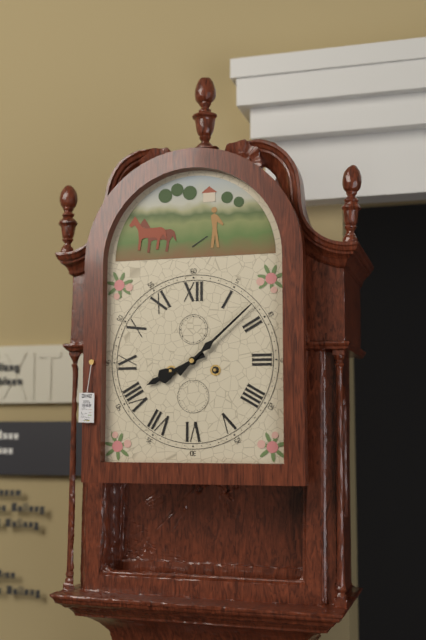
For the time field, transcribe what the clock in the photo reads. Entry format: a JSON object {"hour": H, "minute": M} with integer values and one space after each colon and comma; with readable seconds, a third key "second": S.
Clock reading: {"hour": 8, "minute": 8}
